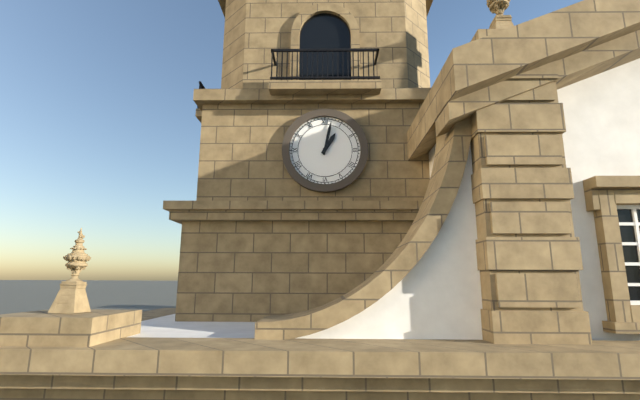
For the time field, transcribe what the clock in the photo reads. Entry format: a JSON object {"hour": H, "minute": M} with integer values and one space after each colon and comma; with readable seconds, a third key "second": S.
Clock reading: {"hour": 1, "minute": 2}
